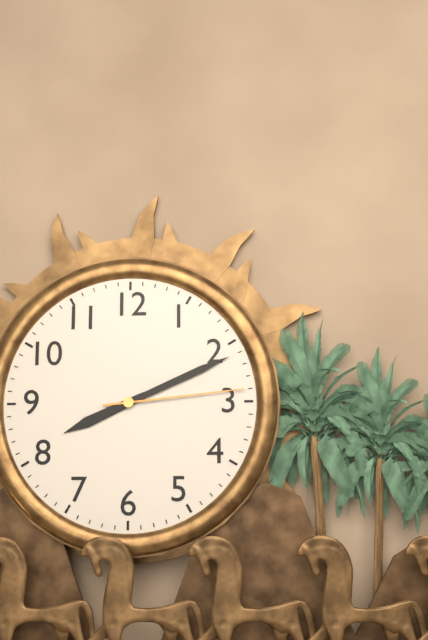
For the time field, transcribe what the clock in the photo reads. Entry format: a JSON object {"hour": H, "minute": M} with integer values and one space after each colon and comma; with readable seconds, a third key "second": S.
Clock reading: {"hour": 8, "minute": 11, "second": 14}
